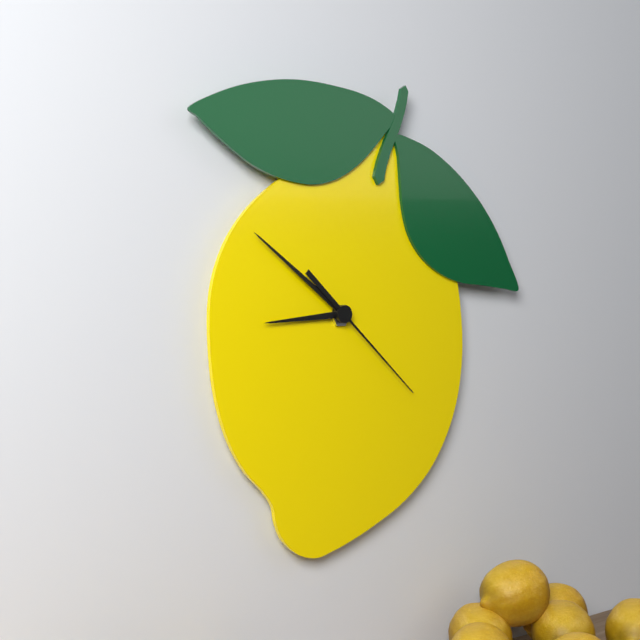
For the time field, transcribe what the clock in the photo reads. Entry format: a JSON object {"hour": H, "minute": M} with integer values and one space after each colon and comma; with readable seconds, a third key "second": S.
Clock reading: {"hour": 8, "minute": 51, "second": 22}
